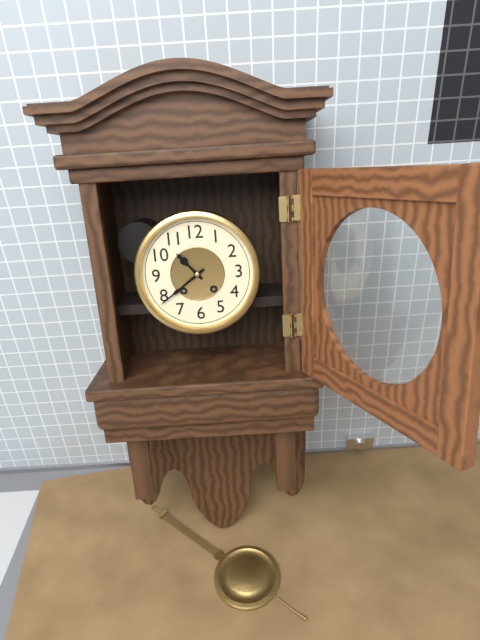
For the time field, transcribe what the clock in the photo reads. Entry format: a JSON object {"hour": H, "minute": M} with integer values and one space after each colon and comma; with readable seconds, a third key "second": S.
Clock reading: {"hour": 10, "minute": 39}
